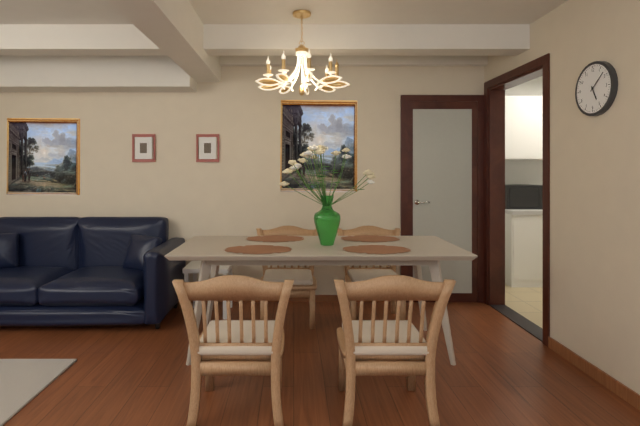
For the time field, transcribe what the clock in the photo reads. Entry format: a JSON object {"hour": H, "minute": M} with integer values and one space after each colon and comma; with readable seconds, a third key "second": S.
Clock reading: {"hour": 5, "minute": 8}
